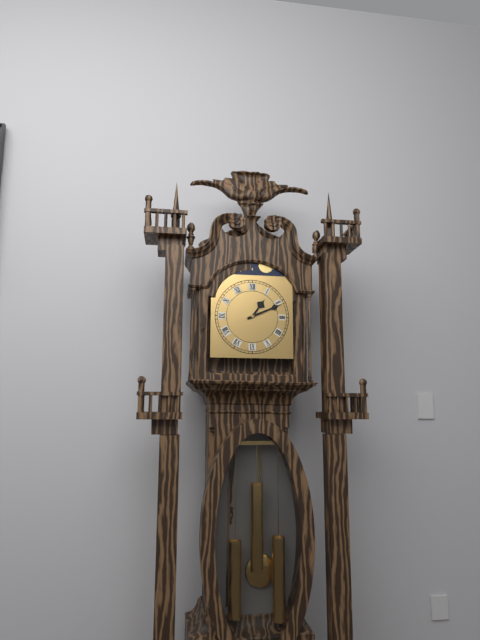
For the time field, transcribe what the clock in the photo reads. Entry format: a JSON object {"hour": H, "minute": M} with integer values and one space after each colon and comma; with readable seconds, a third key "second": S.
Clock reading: {"hour": 1, "minute": 11}
